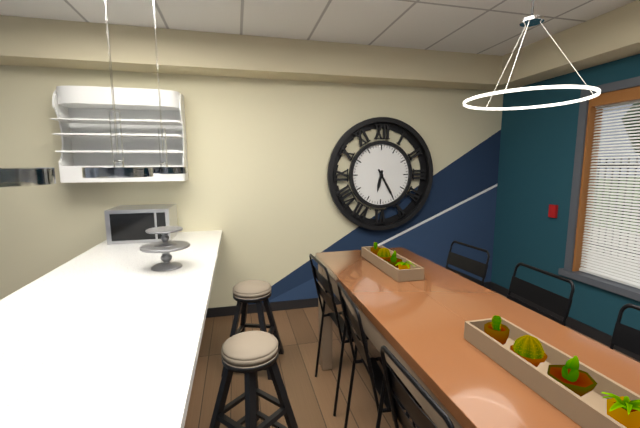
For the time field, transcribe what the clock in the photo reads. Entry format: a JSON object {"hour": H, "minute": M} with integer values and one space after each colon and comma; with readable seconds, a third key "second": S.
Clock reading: {"hour": 6, "minute": 25}
